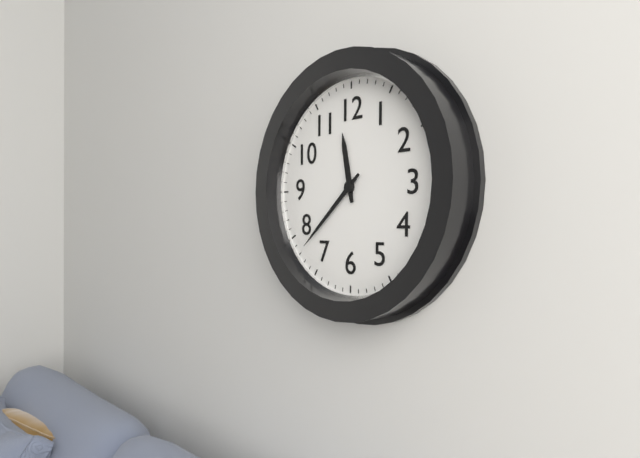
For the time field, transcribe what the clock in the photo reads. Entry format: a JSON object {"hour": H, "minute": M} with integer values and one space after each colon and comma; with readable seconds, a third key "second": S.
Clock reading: {"hour": 11, "minute": 38}
